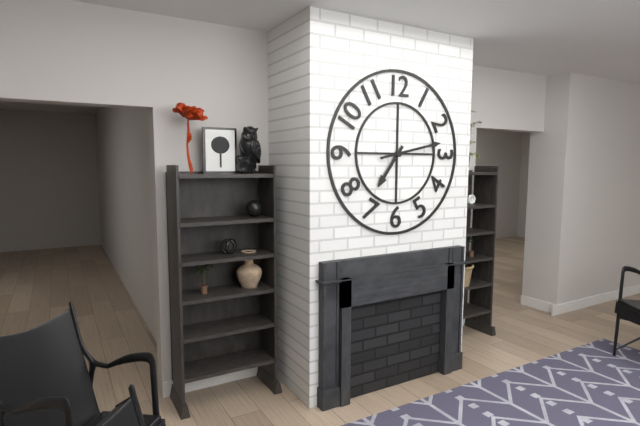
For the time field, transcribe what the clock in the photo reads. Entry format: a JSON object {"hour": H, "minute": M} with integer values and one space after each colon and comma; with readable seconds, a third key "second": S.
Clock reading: {"hour": 7, "minute": 13}
